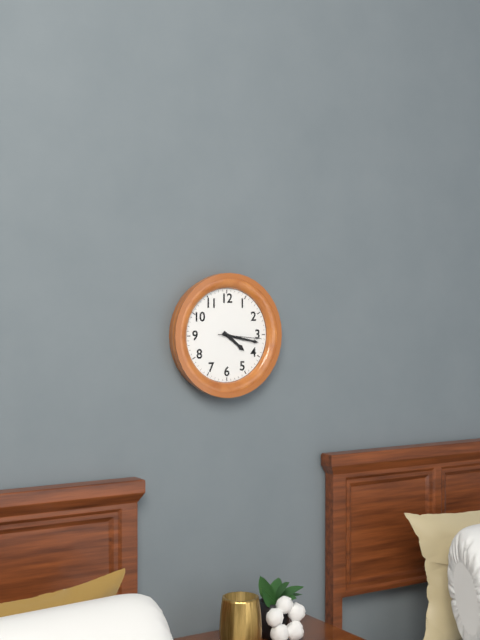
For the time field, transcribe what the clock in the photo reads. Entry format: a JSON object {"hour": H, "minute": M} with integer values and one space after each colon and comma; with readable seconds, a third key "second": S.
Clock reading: {"hour": 4, "minute": 17}
